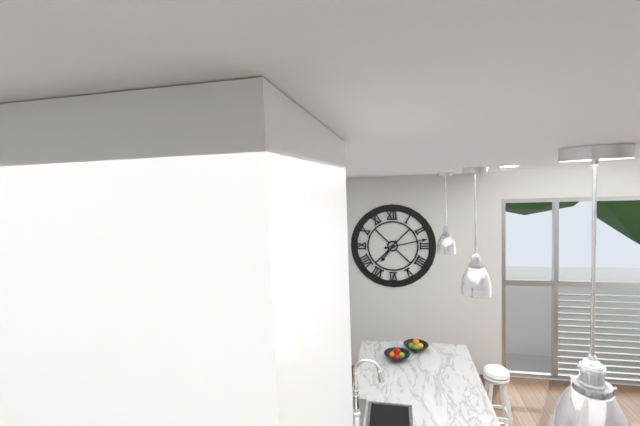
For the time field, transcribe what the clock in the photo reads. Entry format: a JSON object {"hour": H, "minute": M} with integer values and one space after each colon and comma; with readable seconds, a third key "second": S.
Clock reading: {"hour": 7, "minute": 13}
